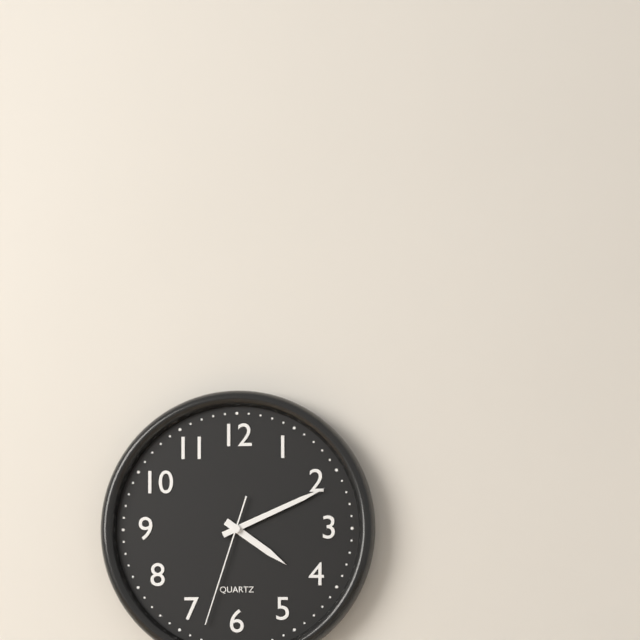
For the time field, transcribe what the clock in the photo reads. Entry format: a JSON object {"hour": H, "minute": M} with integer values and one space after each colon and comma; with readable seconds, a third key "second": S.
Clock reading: {"hour": 4, "minute": 11, "second": 33}
